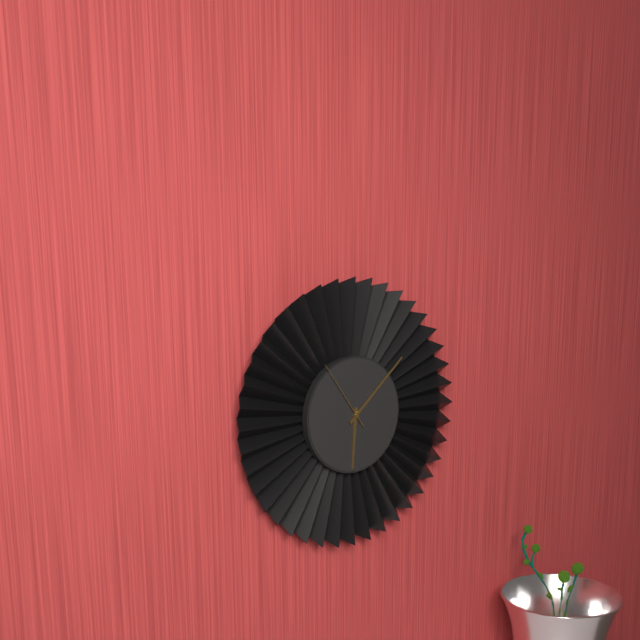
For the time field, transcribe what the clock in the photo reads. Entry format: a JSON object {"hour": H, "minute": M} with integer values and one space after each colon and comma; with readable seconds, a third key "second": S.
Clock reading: {"hour": 6, "minute": 8, "second": 54}
